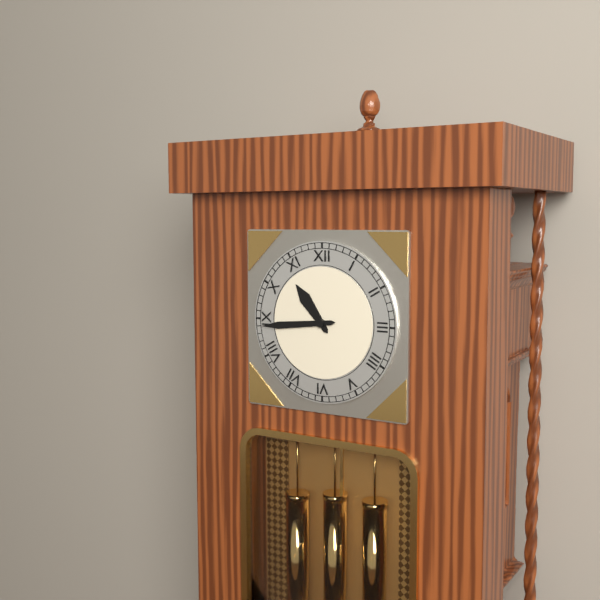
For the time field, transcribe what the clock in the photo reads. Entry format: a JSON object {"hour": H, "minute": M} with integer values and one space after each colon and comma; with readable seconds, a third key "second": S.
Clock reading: {"hour": 10, "minute": 44}
